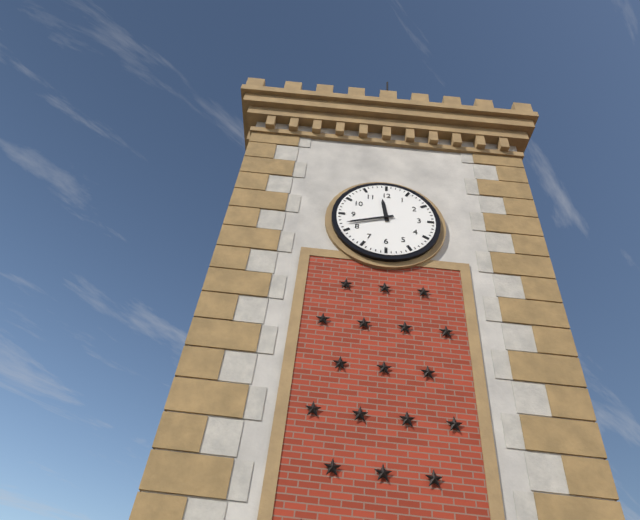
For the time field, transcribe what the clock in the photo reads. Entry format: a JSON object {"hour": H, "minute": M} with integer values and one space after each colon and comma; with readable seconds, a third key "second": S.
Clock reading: {"hour": 11, "minute": 42}
